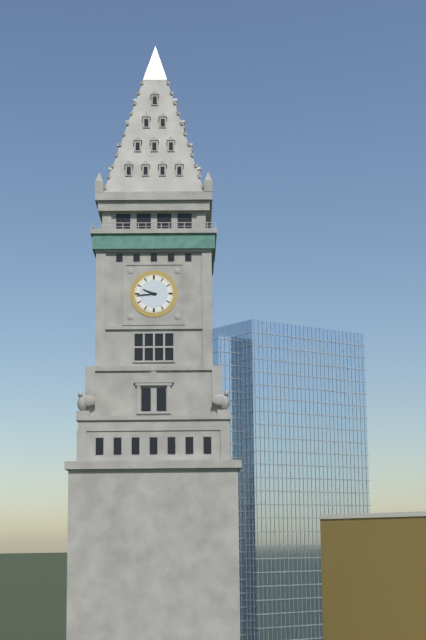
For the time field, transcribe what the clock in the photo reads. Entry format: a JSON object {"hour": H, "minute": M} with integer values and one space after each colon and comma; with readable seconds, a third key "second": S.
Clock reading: {"hour": 9, "minute": 44}
